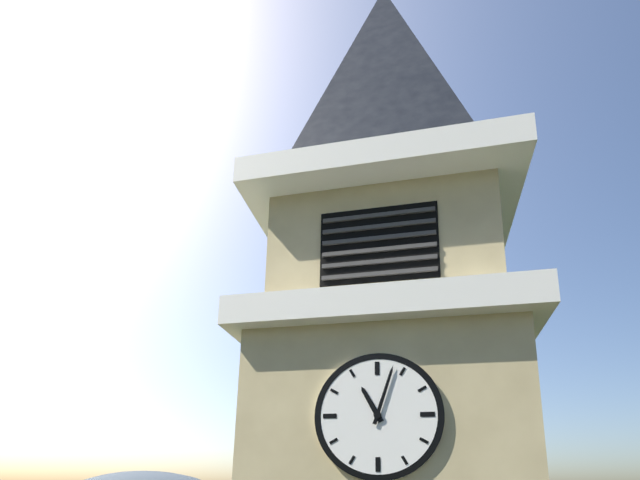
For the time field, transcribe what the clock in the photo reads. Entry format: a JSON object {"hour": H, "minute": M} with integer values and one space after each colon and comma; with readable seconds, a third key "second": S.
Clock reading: {"hour": 11, "minute": 3}
